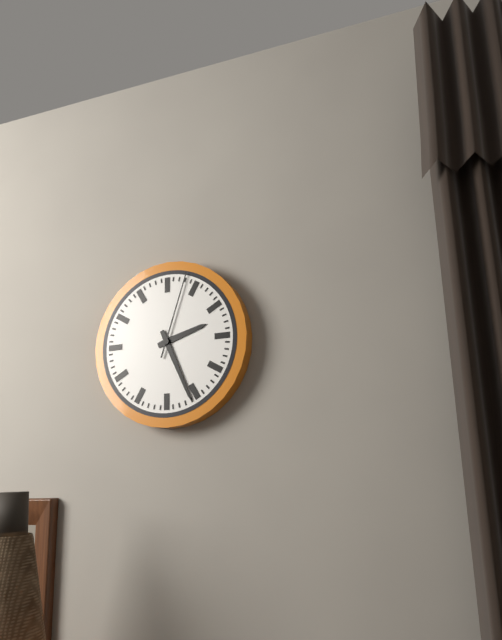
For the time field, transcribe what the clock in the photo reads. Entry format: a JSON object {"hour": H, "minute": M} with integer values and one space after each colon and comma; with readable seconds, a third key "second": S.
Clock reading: {"hour": 2, "minute": 26, "second": 3}
